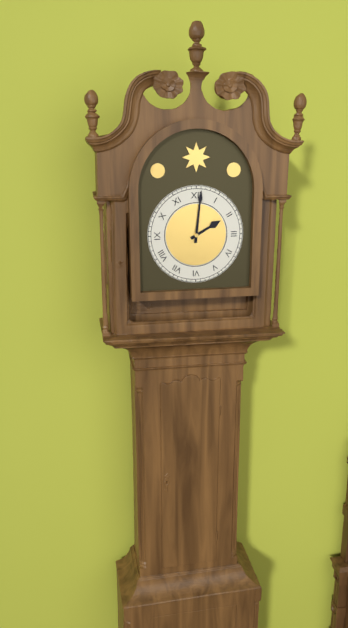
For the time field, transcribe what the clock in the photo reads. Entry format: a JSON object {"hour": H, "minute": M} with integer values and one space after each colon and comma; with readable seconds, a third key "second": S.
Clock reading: {"hour": 2, "minute": 1}
